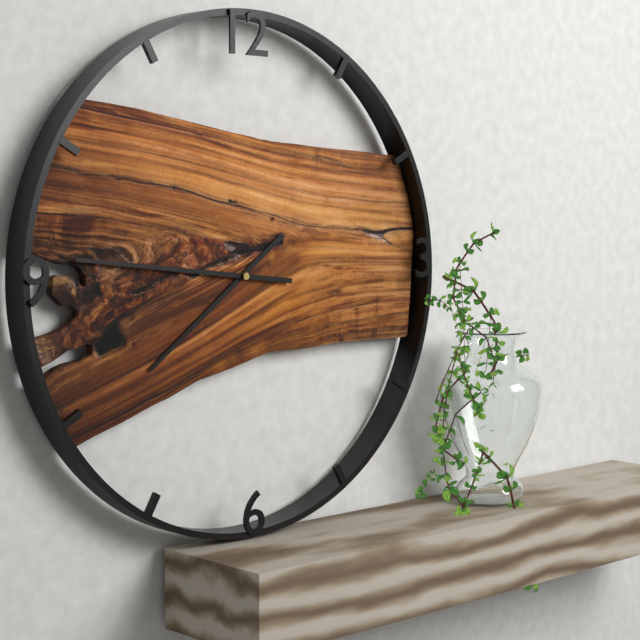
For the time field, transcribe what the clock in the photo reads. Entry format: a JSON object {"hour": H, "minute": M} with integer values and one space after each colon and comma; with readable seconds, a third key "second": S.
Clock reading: {"hour": 7, "minute": 46}
